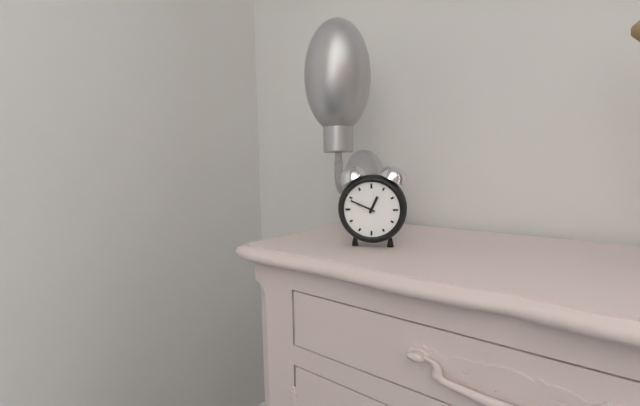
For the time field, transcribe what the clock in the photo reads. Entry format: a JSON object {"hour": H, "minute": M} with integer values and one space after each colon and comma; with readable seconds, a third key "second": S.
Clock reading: {"hour": 12, "minute": 49}
